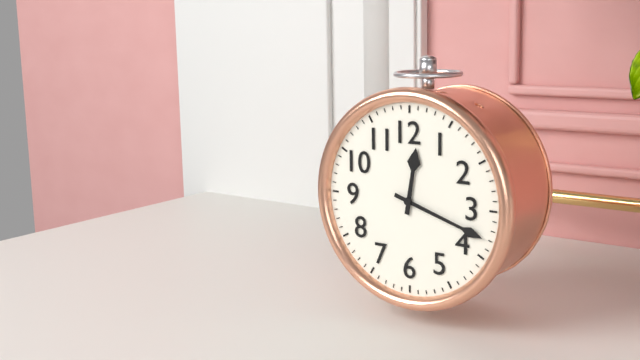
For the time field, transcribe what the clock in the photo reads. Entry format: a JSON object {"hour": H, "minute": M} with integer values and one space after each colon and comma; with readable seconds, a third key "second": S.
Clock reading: {"hour": 12, "minute": 18}
